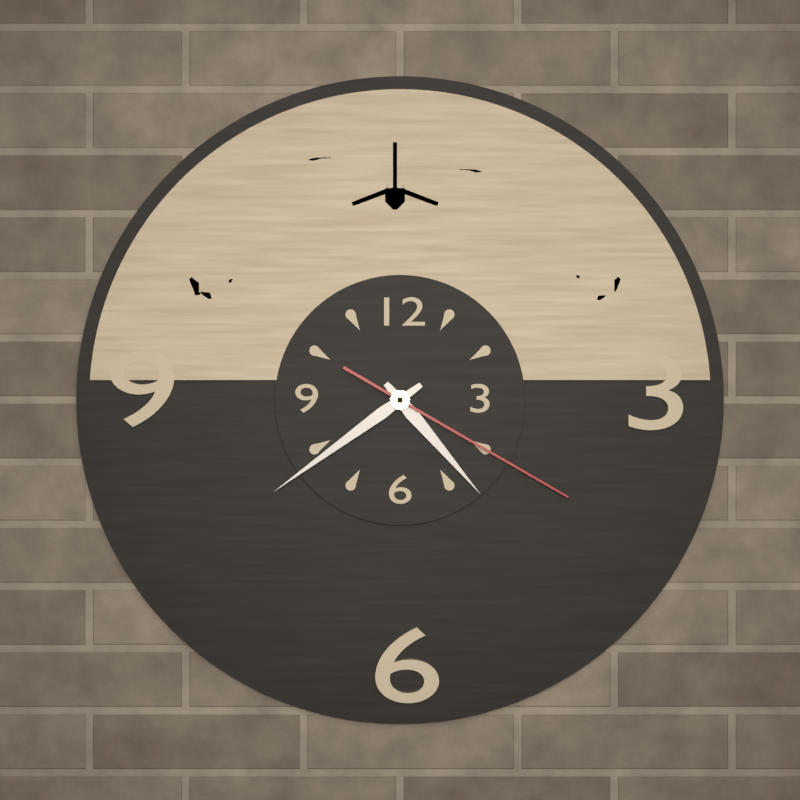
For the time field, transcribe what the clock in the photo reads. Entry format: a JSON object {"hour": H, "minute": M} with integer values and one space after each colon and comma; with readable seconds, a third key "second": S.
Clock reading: {"hour": 4, "minute": 39, "second": 20}
